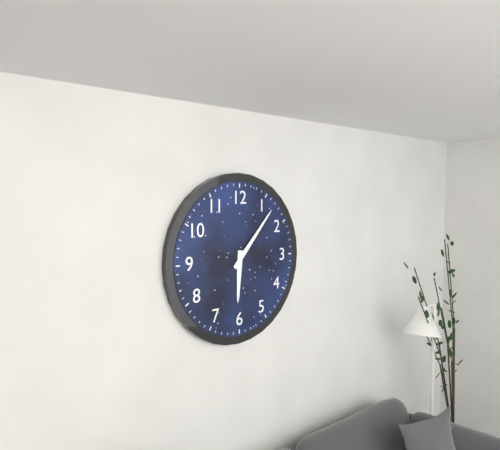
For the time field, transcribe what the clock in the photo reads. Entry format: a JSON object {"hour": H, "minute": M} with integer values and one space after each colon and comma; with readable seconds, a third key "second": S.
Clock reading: {"hour": 6, "minute": 7}
